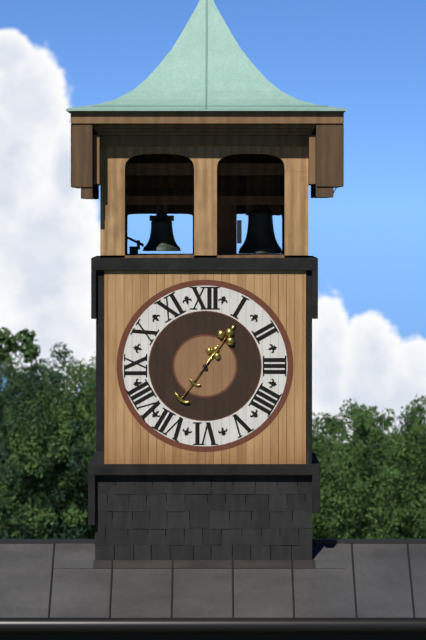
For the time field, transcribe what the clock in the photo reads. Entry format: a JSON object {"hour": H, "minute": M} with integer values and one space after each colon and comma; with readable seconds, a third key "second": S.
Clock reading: {"hour": 1, "minute": 6}
